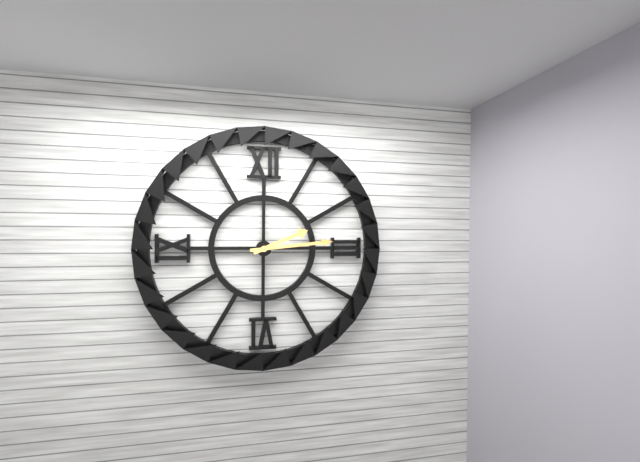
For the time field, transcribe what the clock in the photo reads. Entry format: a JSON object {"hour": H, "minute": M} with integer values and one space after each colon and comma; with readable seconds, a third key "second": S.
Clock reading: {"hour": 2, "minute": 14}
